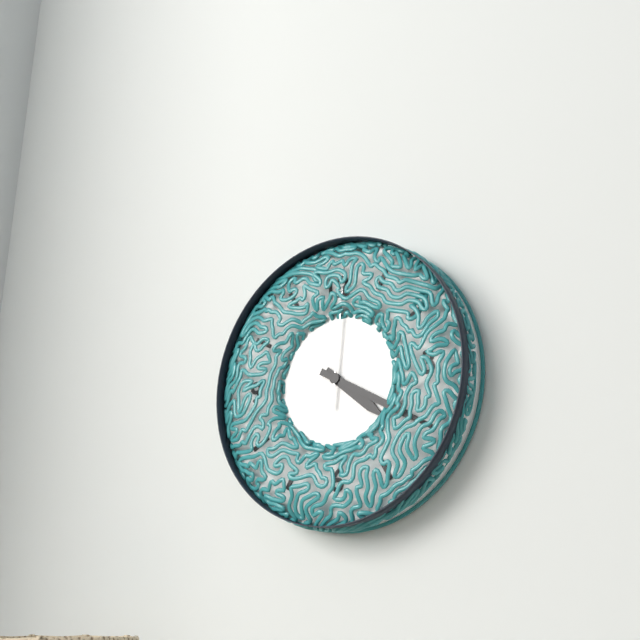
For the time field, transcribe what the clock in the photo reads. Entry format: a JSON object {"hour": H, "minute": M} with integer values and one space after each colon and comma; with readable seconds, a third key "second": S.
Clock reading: {"hour": 4, "minute": 20}
